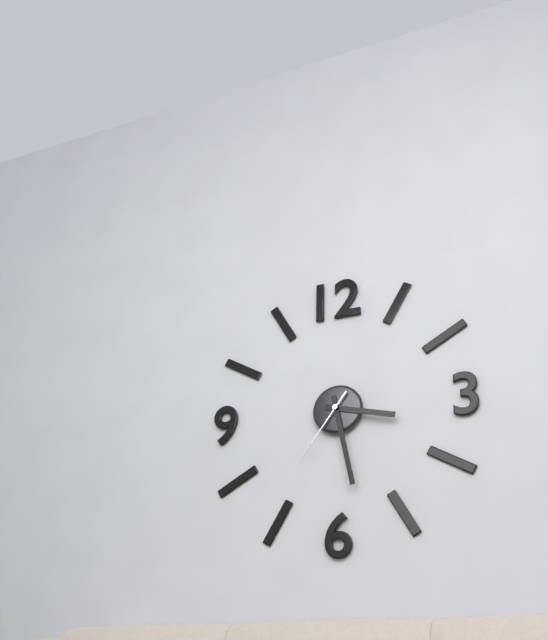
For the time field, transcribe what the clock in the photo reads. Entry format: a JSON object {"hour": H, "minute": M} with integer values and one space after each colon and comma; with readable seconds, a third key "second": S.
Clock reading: {"hour": 3, "minute": 28, "second": 36}
